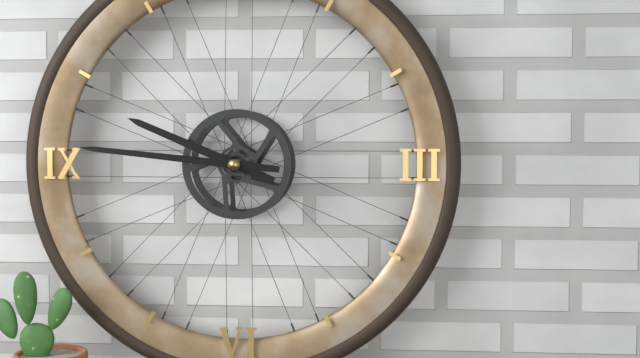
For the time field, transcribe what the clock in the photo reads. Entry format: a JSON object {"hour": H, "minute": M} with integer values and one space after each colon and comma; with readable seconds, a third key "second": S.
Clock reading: {"hour": 9, "minute": 46}
